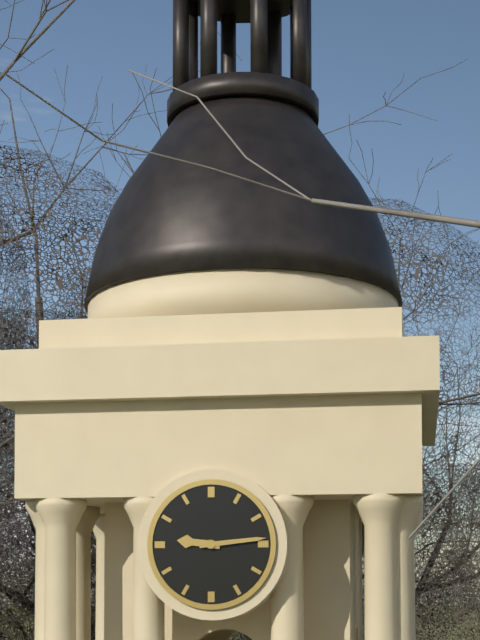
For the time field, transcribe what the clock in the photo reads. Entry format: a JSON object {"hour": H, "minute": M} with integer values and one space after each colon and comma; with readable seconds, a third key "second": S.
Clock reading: {"hour": 9, "minute": 14}
